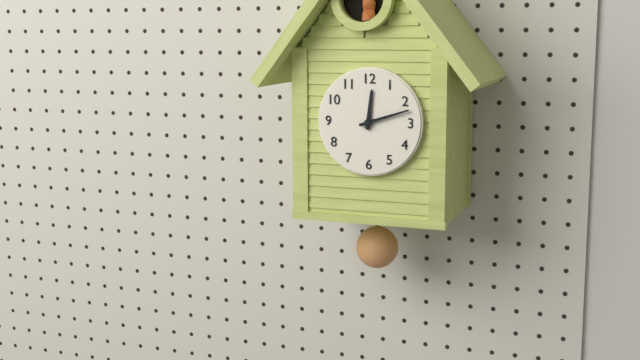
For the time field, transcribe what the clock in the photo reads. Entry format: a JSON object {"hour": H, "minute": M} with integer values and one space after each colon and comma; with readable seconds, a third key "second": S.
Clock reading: {"hour": 12, "minute": 12}
